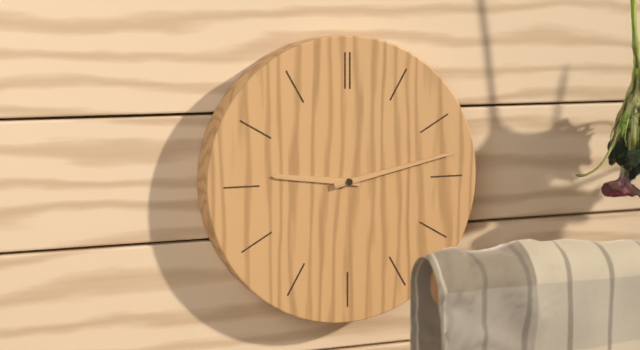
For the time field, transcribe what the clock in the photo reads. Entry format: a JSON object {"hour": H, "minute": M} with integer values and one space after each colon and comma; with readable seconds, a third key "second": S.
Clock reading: {"hour": 9, "minute": 13}
